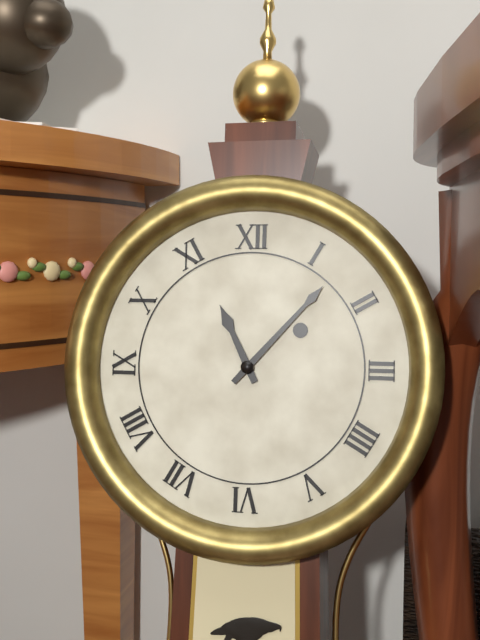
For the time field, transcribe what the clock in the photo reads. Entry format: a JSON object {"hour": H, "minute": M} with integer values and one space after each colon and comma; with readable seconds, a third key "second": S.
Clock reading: {"hour": 11, "minute": 7}
